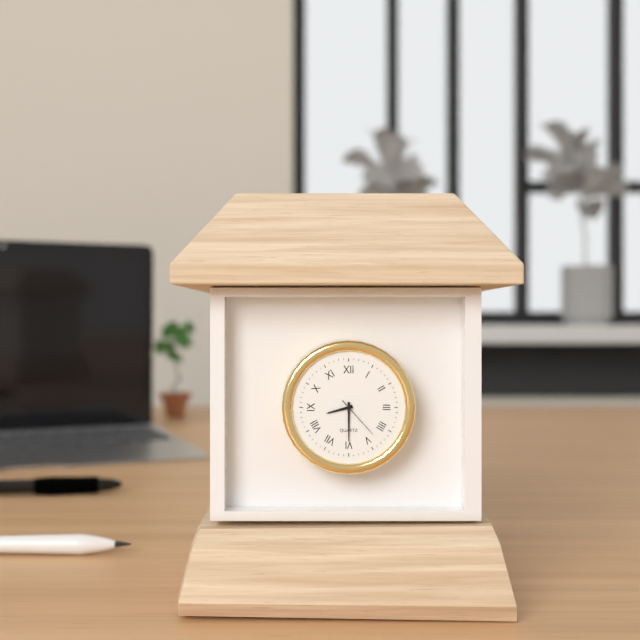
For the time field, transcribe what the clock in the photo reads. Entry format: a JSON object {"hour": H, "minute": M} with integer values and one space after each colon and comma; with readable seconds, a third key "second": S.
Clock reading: {"hour": 8, "minute": 30}
